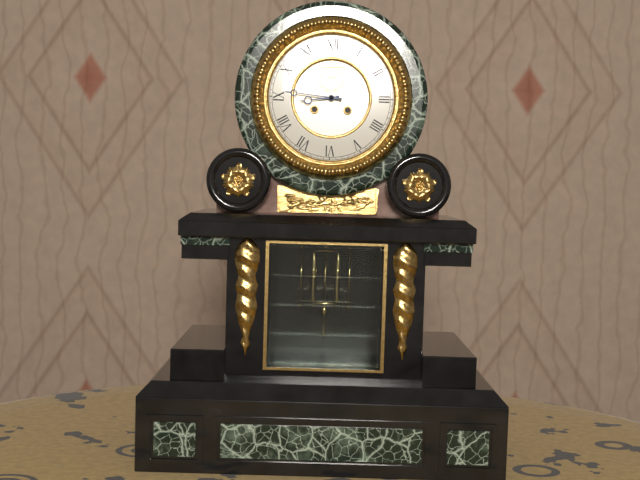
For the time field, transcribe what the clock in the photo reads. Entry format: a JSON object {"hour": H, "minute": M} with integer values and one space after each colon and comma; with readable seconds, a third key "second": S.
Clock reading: {"hour": 8, "minute": 46}
